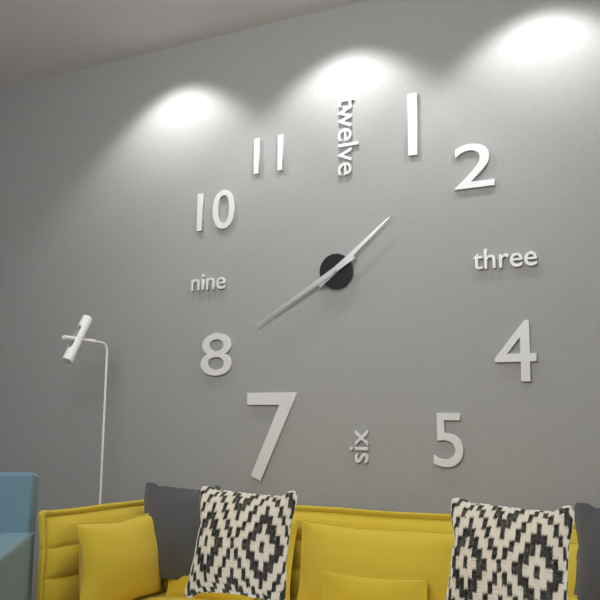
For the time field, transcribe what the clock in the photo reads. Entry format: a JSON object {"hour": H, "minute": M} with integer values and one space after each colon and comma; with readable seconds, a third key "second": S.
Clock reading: {"hour": 1, "minute": 40}
